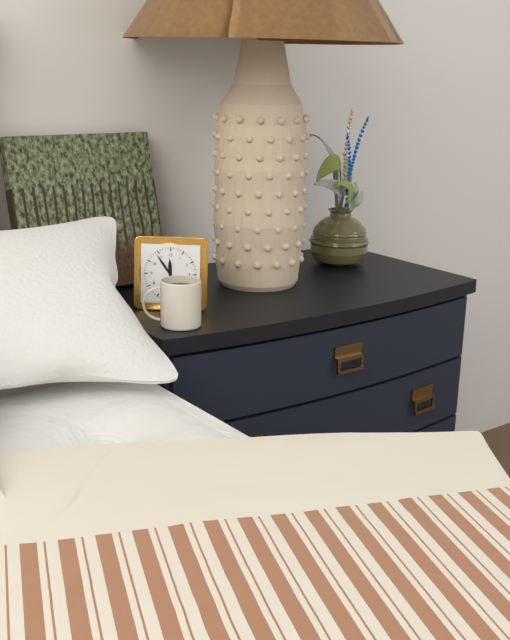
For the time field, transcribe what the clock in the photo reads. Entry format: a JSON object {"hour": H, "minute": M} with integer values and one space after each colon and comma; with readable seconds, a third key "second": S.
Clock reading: {"hour": 11, "minute": 54}
